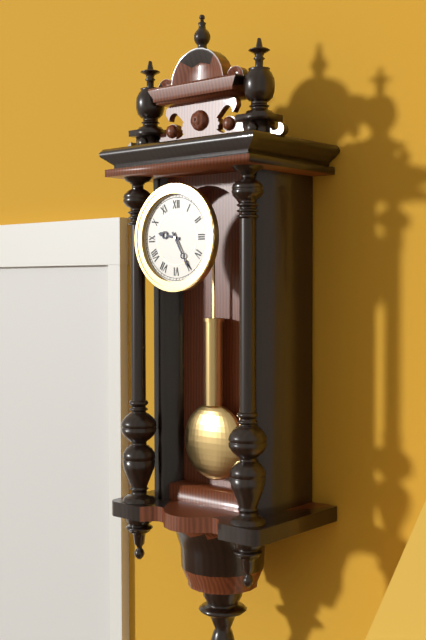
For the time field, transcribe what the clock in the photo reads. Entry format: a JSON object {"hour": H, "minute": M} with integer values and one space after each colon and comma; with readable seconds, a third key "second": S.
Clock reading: {"hour": 9, "minute": 25}
